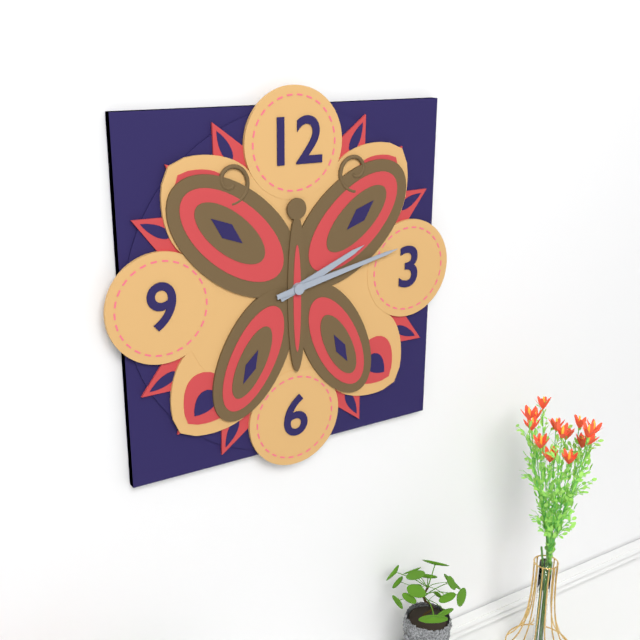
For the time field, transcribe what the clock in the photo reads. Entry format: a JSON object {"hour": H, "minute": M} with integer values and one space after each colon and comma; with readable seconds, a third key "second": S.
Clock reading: {"hour": 2, "minute": 13}
